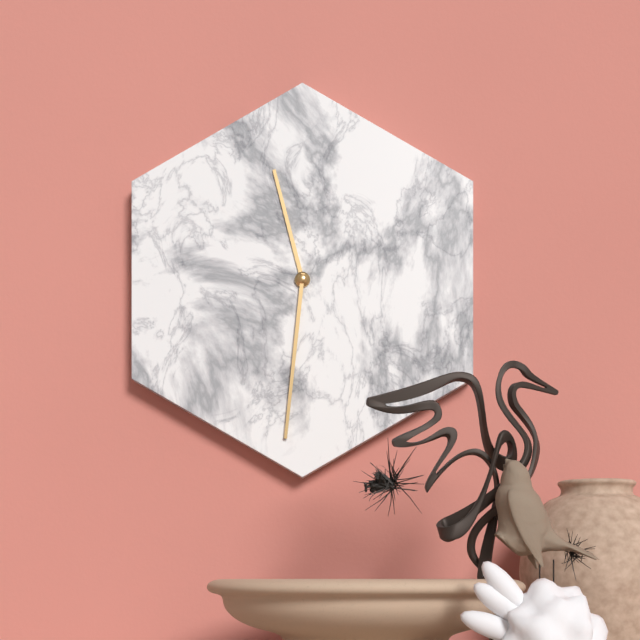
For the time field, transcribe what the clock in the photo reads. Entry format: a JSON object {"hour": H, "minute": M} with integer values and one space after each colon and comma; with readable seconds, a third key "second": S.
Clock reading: {"hour": 11, "minute": 31}
